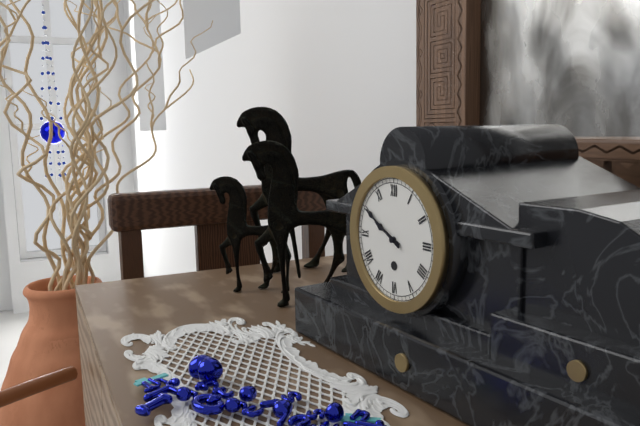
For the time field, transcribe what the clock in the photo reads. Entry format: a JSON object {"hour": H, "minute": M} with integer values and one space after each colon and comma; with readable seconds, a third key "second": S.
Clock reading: {"hour": 9, "minute": 50}
